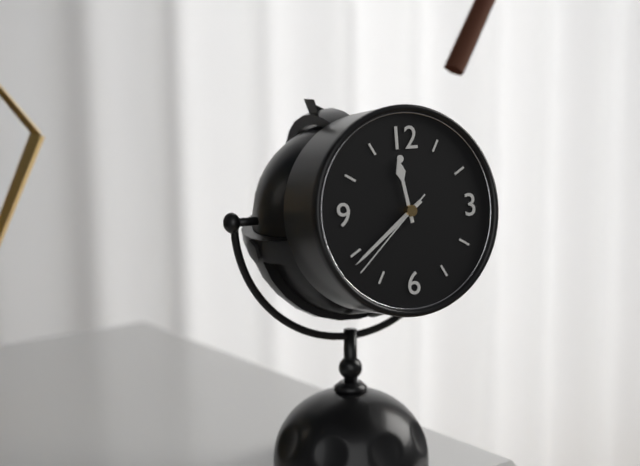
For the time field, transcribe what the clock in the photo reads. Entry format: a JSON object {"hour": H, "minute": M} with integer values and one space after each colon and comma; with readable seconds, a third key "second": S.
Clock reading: {"hour": 11, "minute": 39, "second": 38}
